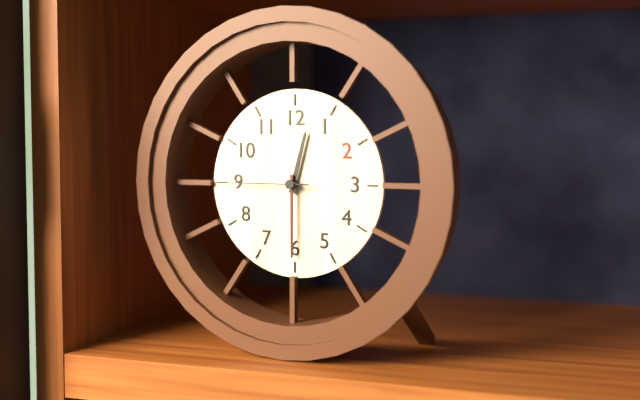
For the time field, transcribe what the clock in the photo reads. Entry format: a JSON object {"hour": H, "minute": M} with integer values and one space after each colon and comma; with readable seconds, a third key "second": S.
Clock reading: {"hour": 12, "minute": 30, "second": 45}
